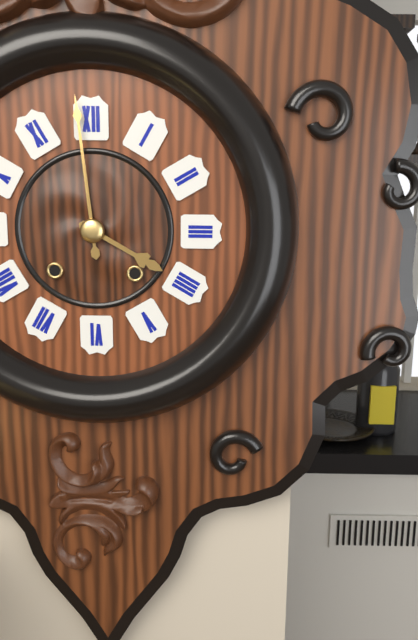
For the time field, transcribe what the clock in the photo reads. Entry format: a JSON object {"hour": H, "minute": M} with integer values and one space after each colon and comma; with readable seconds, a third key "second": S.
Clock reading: {"hour": 3, "minute": 59}
